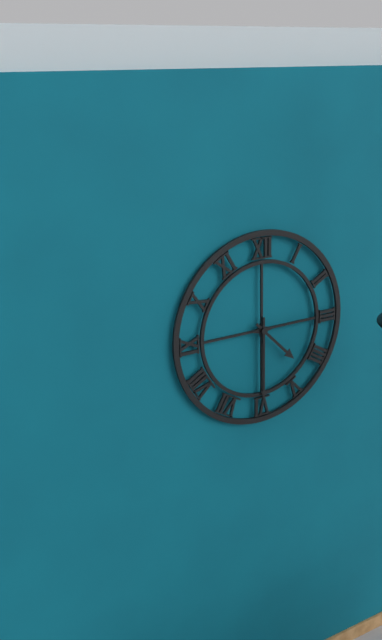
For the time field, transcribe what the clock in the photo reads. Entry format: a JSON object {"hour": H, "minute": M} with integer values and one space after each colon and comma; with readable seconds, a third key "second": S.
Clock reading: {"hour": 4, "minute": 30}
